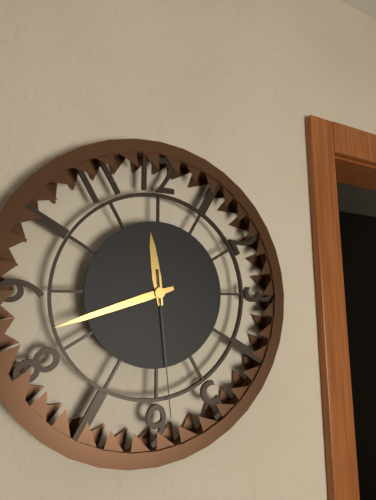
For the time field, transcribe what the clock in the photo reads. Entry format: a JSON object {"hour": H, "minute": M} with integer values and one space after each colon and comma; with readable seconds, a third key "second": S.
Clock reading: {"hour": 11, "minute": 42, "second": 29}
